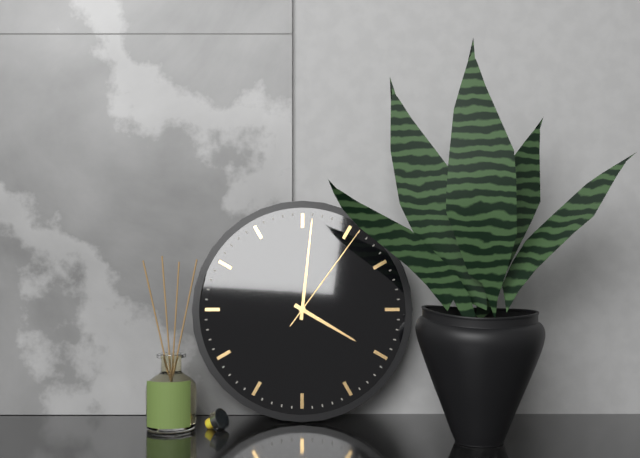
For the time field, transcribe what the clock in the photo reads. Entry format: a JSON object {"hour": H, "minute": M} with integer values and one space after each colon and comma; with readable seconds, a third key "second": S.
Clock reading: {"hour": 4, "minute": 1, "second": 6}
